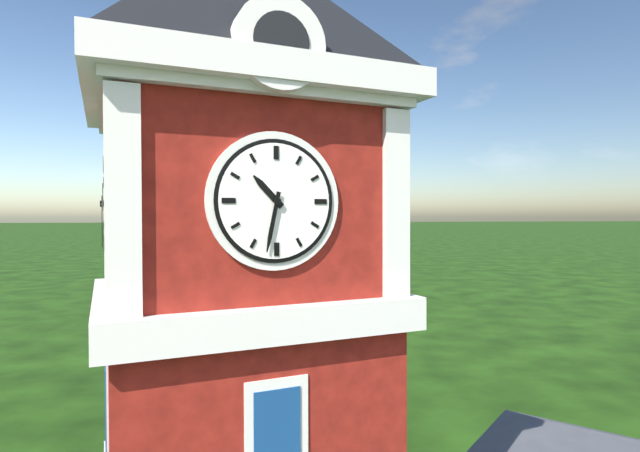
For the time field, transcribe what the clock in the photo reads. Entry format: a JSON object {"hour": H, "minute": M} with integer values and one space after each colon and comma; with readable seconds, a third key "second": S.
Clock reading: {"hour": 10, "minute": 32}
